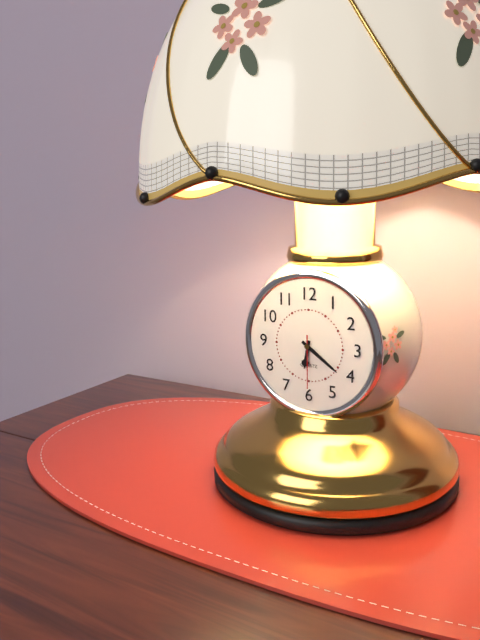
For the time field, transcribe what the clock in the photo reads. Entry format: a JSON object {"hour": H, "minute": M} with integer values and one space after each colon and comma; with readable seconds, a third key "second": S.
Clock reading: {"hour": 6, "minute": 21, "second": 30}
